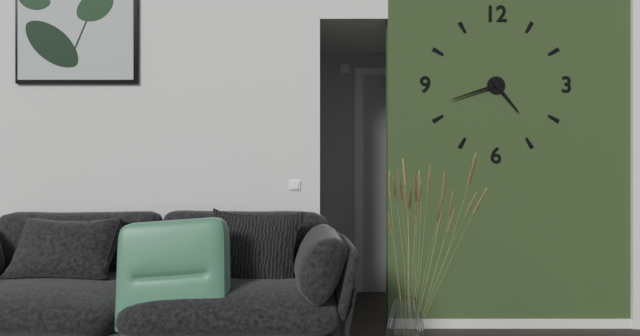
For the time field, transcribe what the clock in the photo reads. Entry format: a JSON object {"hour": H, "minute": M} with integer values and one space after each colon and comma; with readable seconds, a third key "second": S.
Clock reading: {"hour": 4, "minute": 42}
